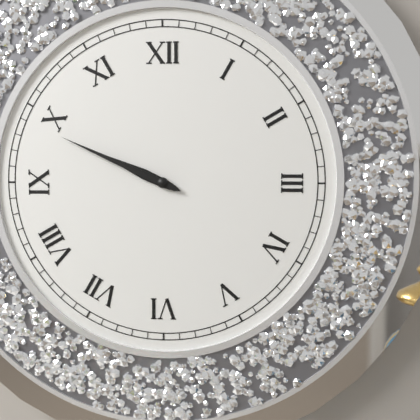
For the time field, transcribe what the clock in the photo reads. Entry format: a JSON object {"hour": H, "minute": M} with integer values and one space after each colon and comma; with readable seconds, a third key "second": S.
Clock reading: {"hour": 9, "minute": 49}
